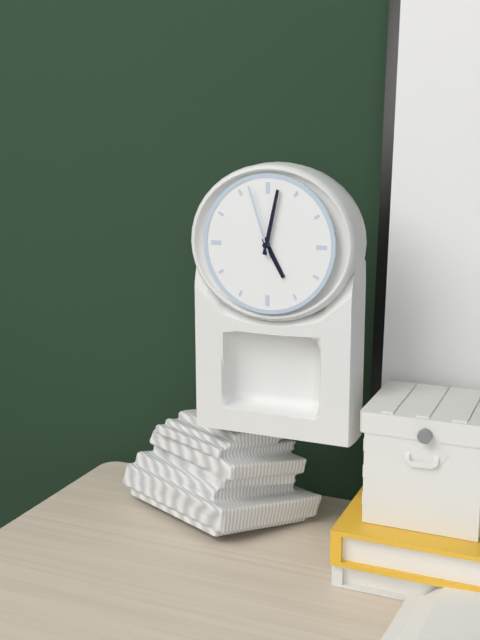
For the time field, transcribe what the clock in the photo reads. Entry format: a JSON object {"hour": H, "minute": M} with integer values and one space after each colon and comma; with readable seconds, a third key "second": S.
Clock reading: {"hour": 5, "minute": 2, "second": 57}
